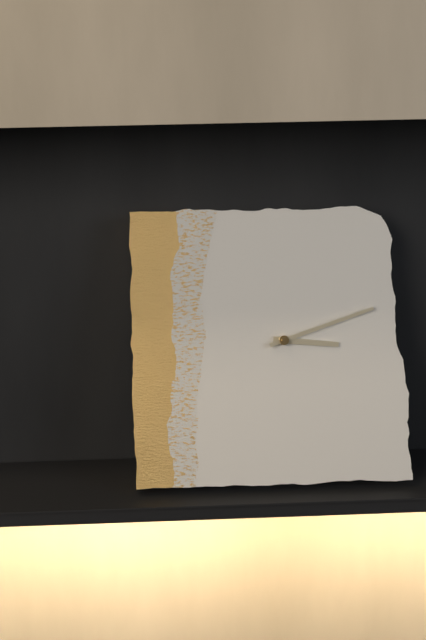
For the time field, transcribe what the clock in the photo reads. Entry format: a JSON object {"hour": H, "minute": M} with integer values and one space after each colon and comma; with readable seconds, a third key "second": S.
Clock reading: {"hour": 3, "minute": 12}
